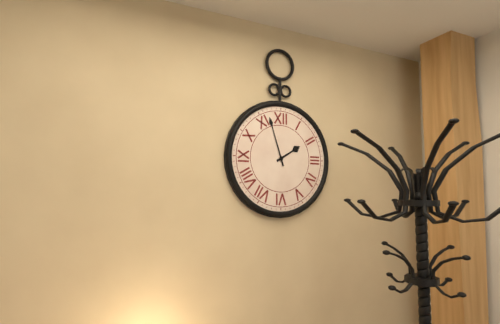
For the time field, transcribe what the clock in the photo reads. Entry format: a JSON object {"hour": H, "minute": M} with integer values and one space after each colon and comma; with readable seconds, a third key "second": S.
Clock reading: {"hour": 1, "minute": 57}
